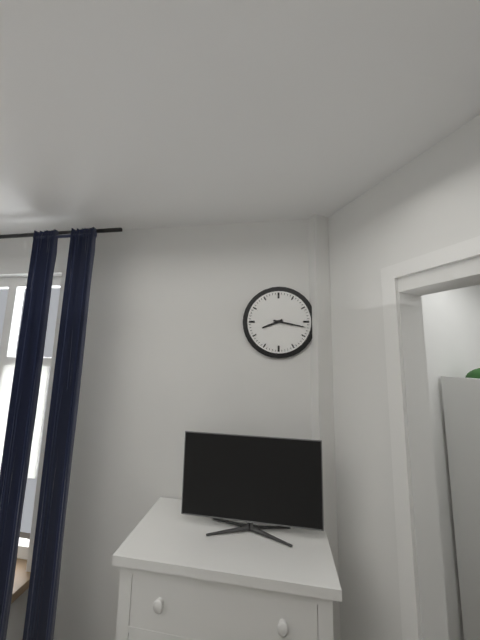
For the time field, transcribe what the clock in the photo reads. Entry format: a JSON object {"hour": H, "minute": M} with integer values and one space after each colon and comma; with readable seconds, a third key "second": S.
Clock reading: {"hour": 8, "minute": 17}
